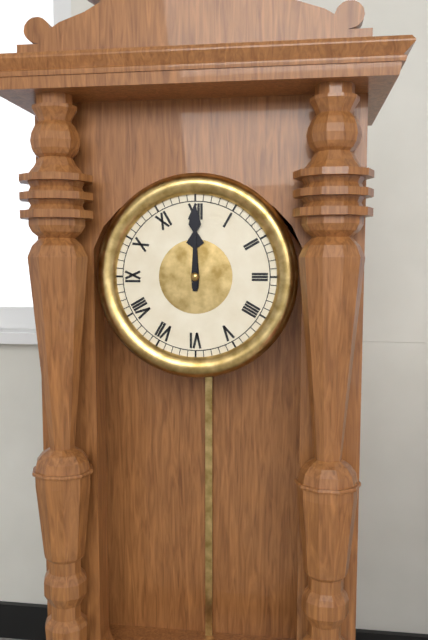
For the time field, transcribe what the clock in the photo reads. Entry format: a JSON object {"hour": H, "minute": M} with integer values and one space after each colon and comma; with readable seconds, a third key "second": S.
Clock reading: {"hour": 12, "minute": 0}
